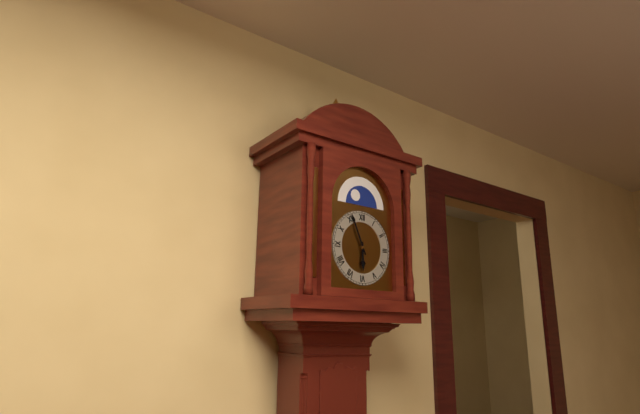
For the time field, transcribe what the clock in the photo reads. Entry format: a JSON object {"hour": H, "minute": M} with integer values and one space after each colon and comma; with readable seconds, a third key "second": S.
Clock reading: {"hour": 5, "minute": 56}
